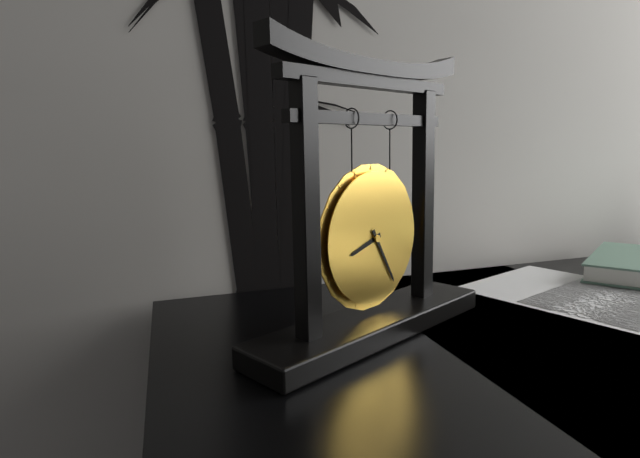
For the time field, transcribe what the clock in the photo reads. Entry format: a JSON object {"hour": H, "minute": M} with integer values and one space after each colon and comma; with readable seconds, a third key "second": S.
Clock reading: {"hour": 8, "minute": 25}
